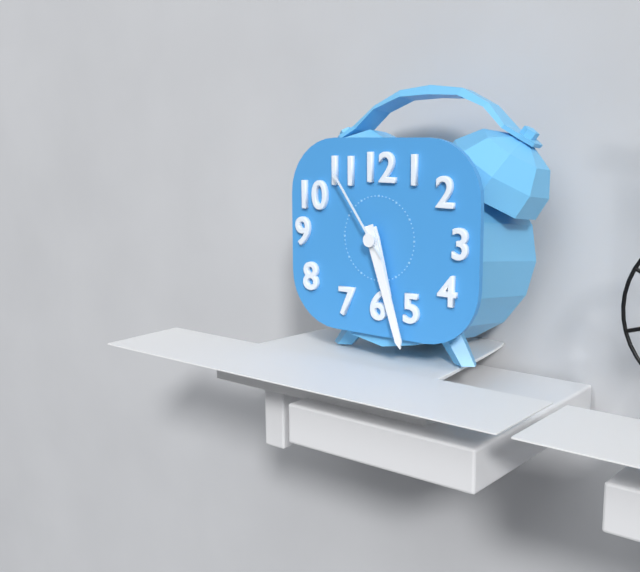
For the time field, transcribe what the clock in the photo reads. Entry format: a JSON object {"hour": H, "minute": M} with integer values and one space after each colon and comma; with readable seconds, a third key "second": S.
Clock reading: {"hour": 5, "minute": 27, "second": 54}
